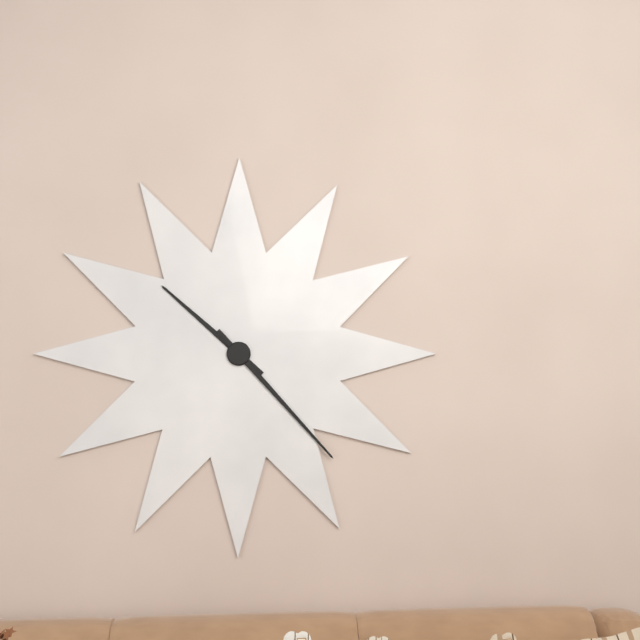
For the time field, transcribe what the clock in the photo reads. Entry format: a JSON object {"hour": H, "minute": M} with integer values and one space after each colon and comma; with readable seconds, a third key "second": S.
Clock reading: {"hour": 10, "minute": 23}
